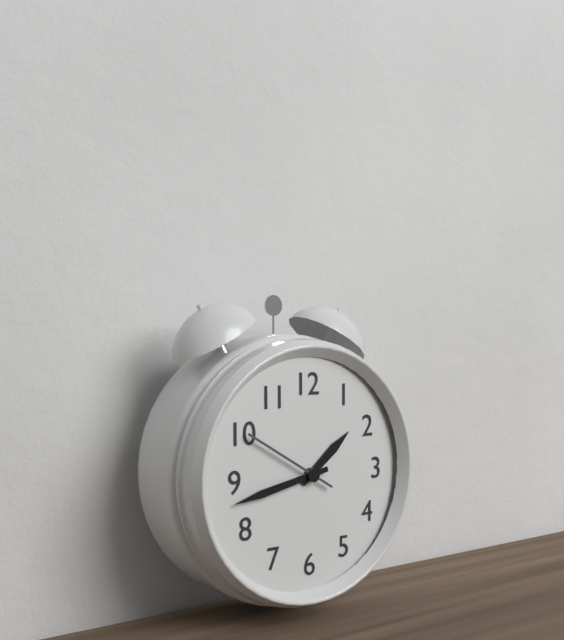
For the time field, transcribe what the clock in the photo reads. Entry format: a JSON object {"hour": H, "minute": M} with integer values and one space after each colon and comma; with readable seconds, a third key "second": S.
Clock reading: {"hour": 1, "minute": 43, "second": 50}
